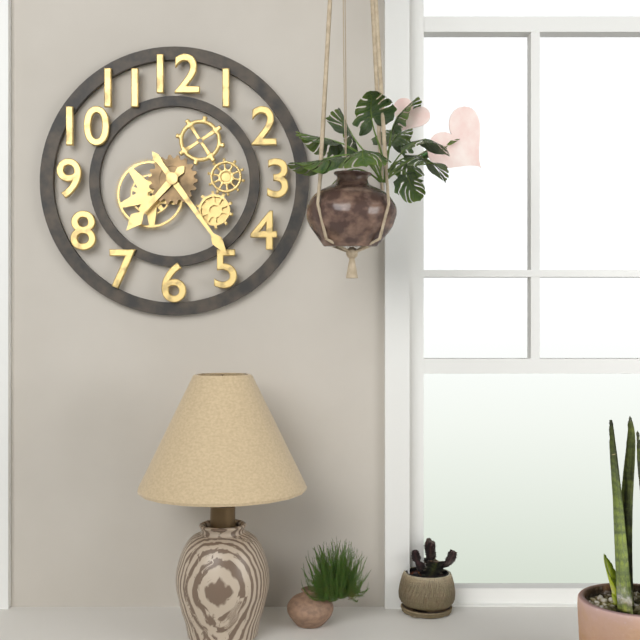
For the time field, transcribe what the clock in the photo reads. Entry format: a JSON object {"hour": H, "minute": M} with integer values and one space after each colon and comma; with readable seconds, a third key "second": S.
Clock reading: {"hour": 7, "minute": 24}
